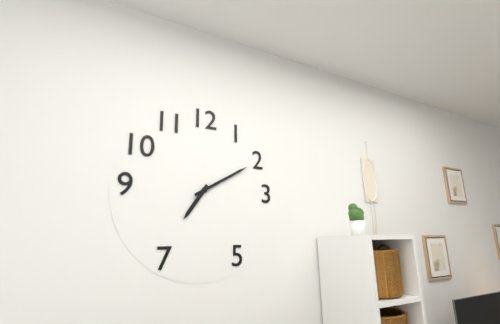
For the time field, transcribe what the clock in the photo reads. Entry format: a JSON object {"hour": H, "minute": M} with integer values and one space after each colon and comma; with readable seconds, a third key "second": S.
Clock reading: {"hour": 7, "minute": 10}
